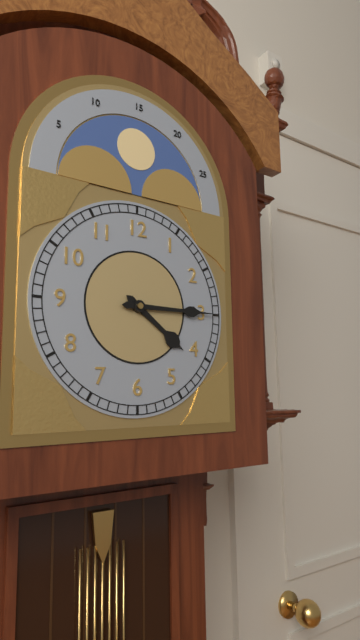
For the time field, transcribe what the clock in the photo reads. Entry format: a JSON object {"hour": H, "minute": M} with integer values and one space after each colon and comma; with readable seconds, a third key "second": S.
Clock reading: {"hour": 4, "minute": 15}
